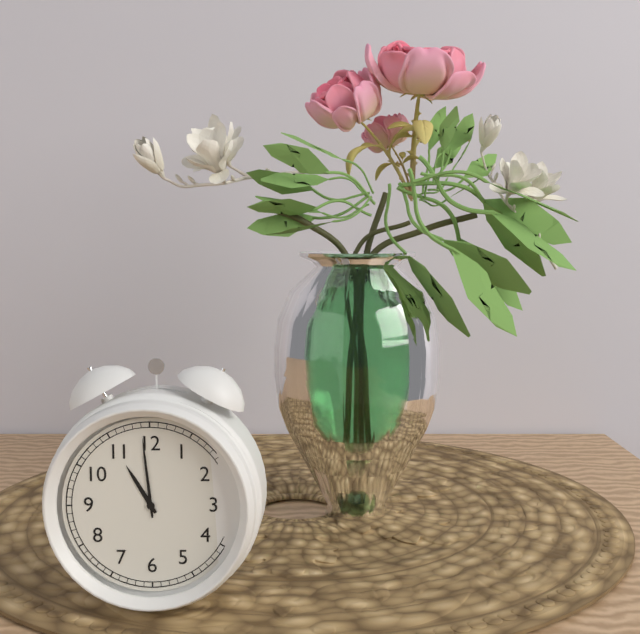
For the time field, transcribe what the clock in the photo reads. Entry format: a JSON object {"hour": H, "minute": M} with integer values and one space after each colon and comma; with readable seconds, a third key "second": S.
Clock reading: {"hour": 10, "minute": 59}
